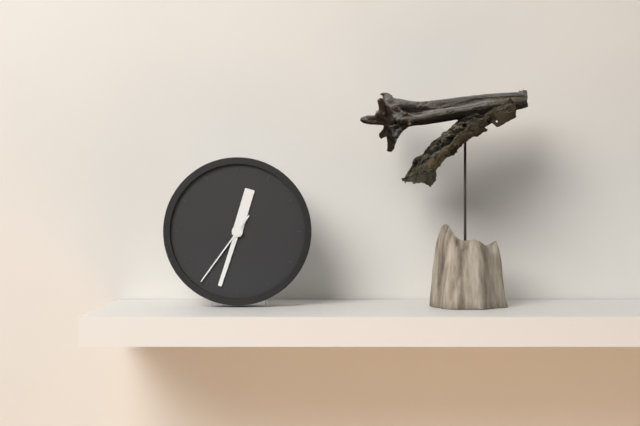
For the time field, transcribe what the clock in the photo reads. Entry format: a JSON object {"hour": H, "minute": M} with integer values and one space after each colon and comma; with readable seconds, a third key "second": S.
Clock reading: {"hour": 12, "minute": 33, "second": 36}
